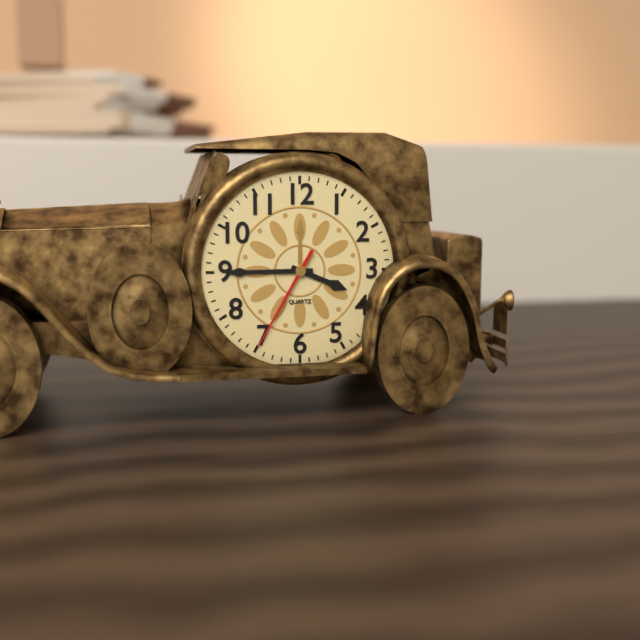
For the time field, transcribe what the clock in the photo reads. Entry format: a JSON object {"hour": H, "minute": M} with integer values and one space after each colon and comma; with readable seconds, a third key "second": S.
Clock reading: {"hour": 3, "minute": 45, "second": 35}
